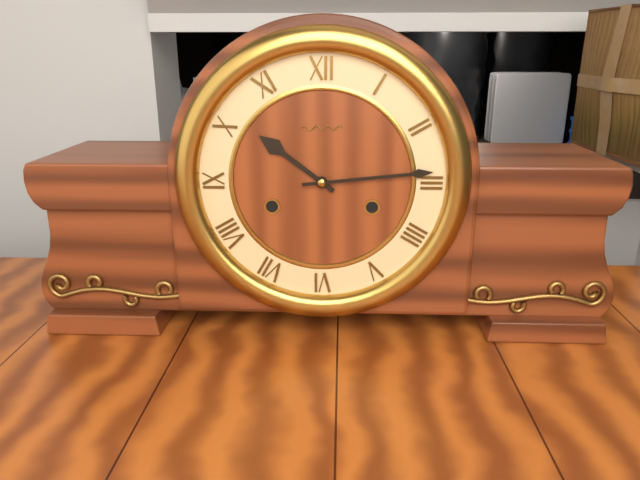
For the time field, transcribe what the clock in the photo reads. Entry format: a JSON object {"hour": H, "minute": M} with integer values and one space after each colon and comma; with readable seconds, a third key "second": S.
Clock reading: {"hour": 10, "minute": 14}
